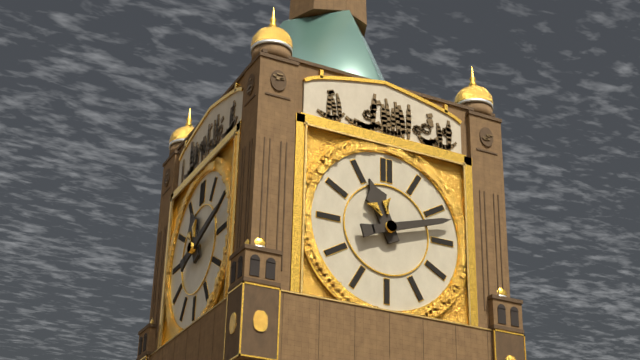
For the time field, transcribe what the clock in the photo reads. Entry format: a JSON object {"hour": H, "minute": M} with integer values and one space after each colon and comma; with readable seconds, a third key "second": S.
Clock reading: {"hour": 11, "minute": 12}
